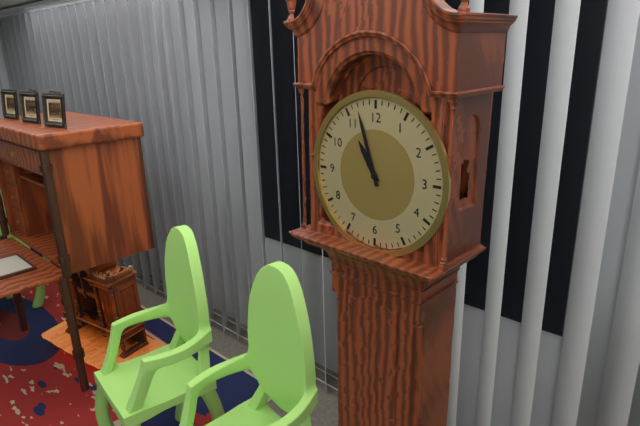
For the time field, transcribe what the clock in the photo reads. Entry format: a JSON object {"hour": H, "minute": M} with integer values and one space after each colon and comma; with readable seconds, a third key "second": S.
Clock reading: {"hour": 10, "minute": 57}
